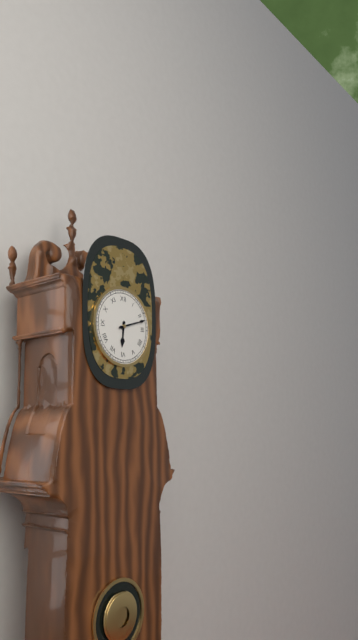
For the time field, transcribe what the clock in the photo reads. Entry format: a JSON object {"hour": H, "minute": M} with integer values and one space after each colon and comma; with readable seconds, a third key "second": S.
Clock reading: {"hour": 6, "minute": 12}
